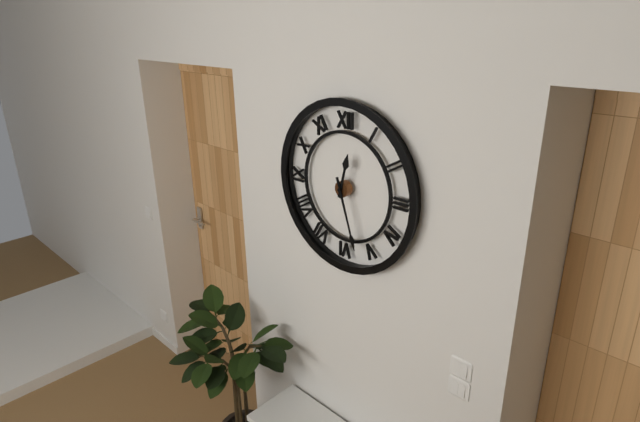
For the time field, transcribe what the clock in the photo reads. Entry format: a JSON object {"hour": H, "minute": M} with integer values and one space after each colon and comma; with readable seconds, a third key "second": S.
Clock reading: {"hour": 12, "minute": 27}
